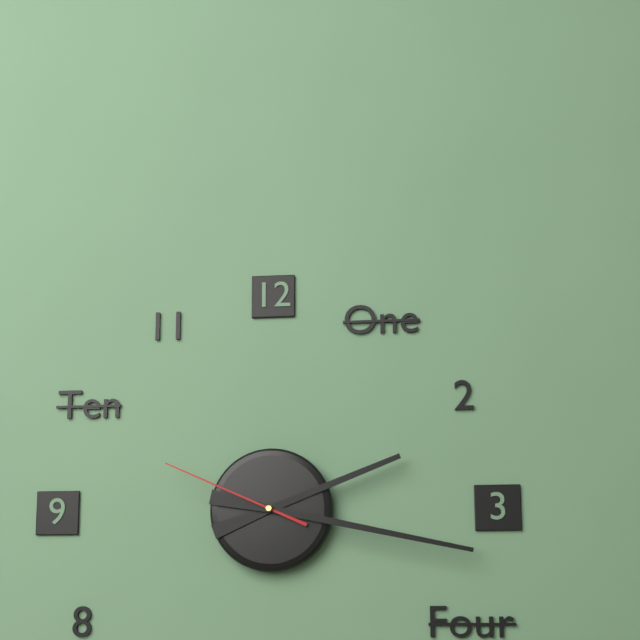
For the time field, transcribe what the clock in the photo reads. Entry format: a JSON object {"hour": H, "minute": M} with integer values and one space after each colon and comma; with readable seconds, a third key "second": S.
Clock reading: {"hour": 2, "minute": 17, "second": 49}
